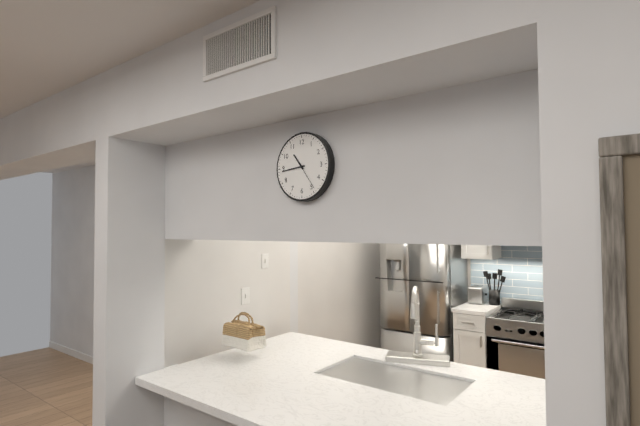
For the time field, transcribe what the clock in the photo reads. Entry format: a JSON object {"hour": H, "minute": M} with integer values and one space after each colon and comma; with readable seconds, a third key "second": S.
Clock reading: {"hour": 10, "minute": 44}
